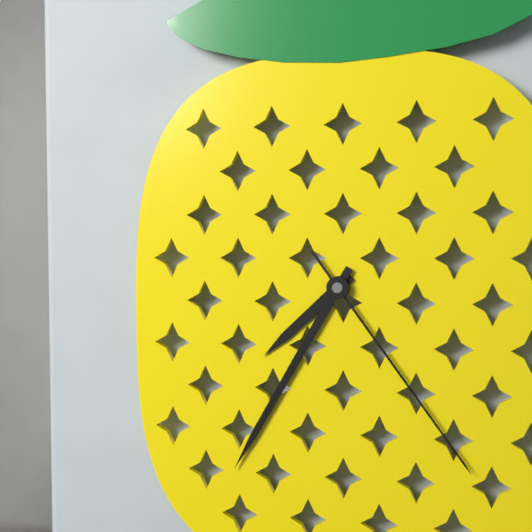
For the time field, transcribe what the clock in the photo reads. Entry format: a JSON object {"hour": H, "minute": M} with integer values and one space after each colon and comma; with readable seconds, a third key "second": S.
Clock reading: {"hour": 7, "minute": 35, "second": 24}
